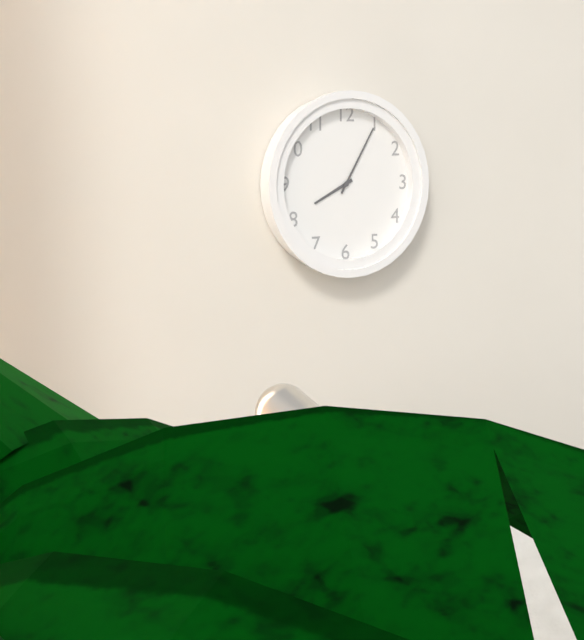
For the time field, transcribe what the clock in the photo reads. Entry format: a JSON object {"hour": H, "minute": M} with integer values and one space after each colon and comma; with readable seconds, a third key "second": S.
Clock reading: {"hour": 8, "minute": 5}
